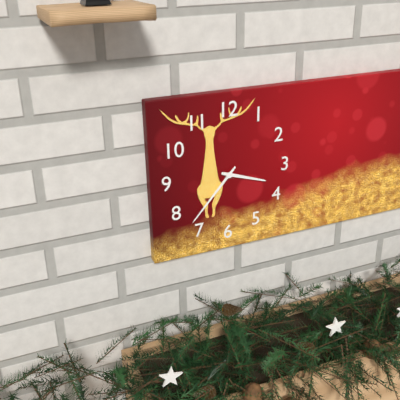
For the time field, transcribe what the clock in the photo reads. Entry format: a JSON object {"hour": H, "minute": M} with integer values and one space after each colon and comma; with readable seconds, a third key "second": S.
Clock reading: {"hour": 3, "minute": 37}
